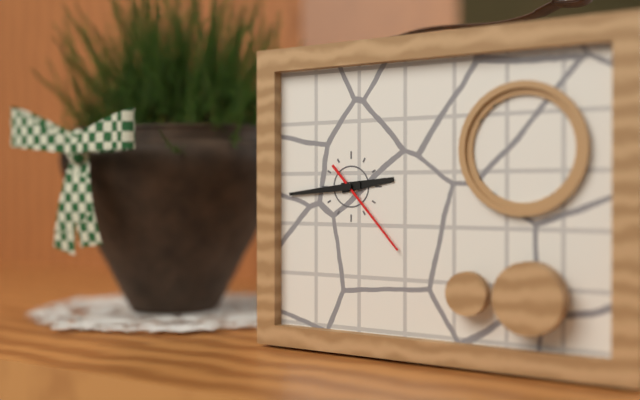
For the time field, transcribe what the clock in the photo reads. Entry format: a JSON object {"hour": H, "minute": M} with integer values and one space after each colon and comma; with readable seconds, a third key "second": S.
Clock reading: {"hour": 2, "minute": 44, "second": 23}
